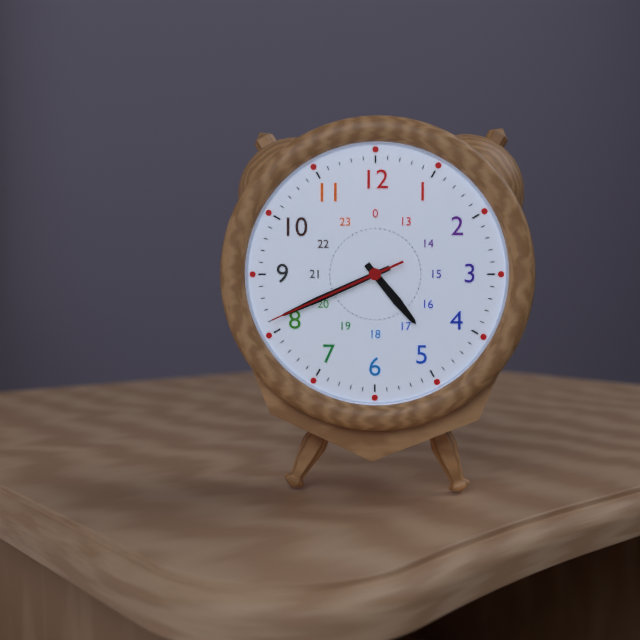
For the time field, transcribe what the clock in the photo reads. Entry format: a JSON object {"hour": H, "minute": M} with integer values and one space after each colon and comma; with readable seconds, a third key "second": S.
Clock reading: {"hour": 4, "minute": 41, "second": 41}
